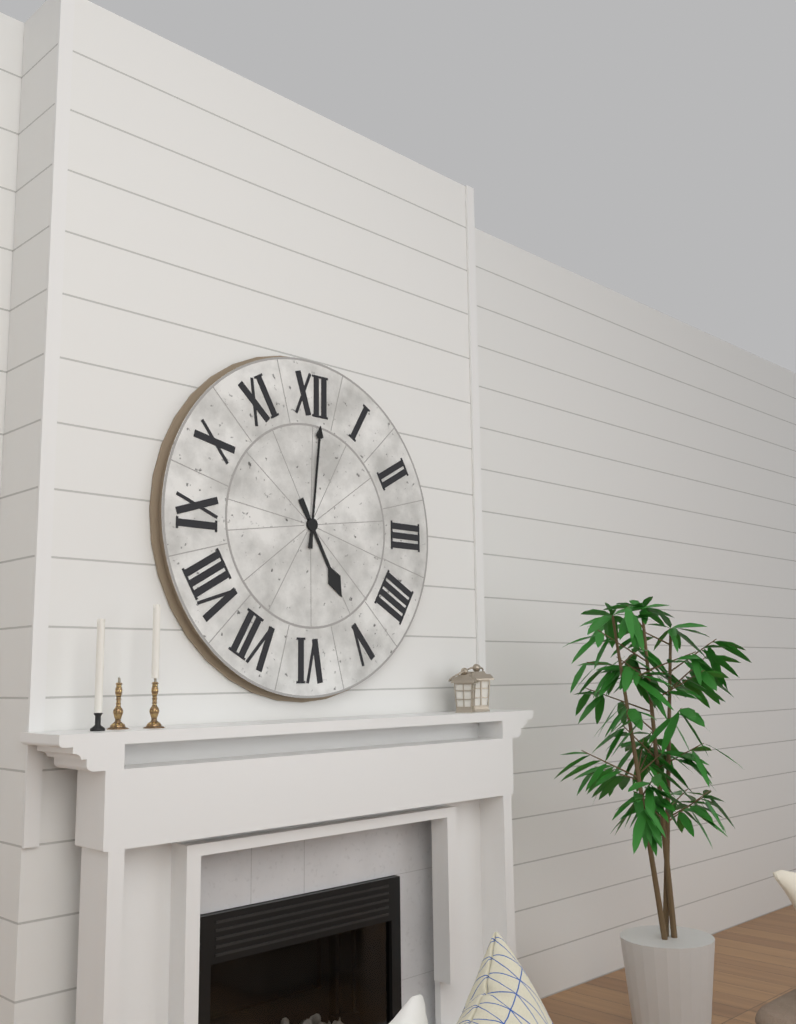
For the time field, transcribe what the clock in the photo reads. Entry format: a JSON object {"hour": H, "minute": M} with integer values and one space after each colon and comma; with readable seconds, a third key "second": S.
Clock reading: {"hour": 5, "minute": 1}
